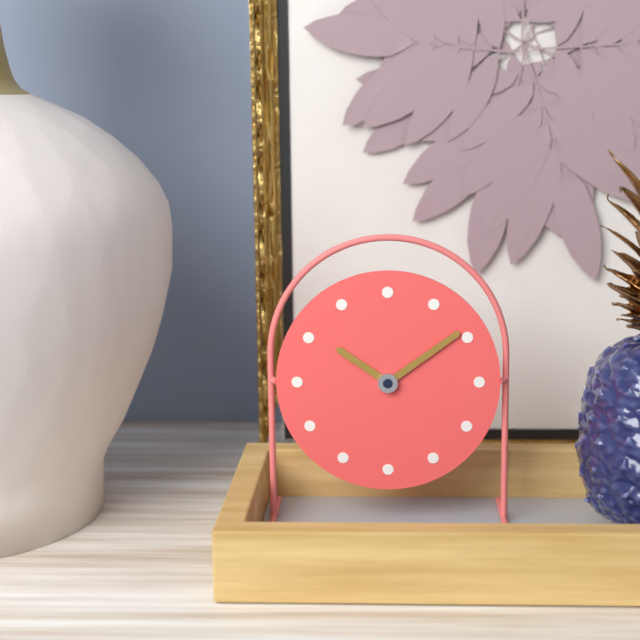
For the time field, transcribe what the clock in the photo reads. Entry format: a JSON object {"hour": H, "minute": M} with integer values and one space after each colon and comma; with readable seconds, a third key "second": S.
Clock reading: {"hour": 10, "minute": 9}
